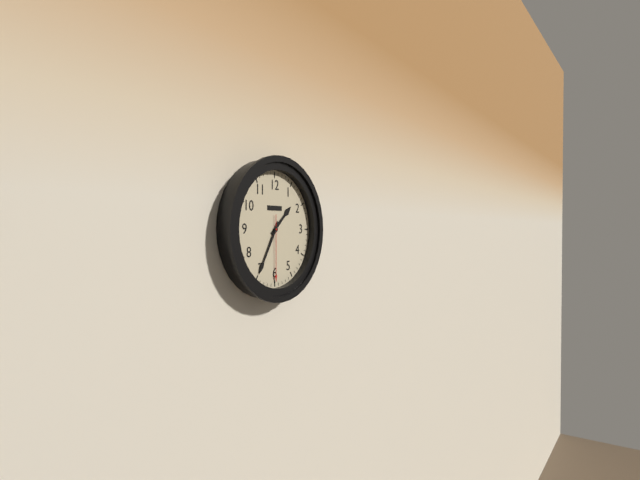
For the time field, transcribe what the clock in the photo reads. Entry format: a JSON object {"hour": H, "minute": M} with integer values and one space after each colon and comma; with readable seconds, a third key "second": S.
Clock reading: {"hour": 1, "minute": 35, "second": 30}
